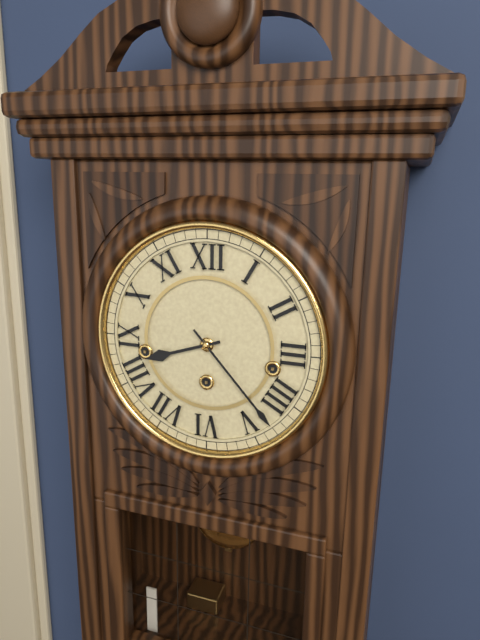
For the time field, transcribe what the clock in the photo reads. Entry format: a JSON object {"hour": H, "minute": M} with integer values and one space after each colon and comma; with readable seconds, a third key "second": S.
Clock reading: {"hour": 8, "minute": 23}
